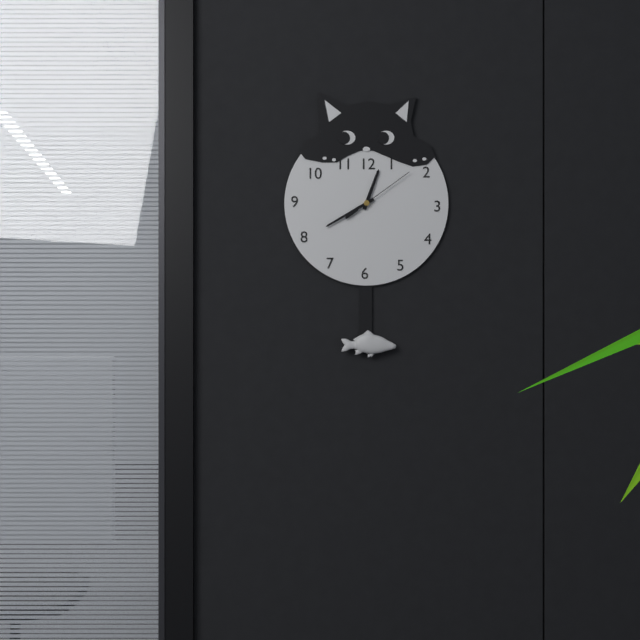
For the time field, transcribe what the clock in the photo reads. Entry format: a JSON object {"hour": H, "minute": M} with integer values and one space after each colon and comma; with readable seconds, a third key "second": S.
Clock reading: {"hour": 12, "minute": 40, "second": 9}
